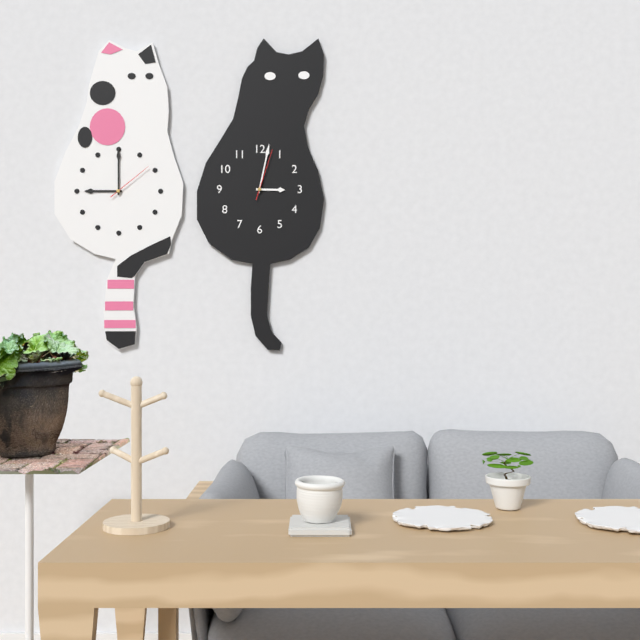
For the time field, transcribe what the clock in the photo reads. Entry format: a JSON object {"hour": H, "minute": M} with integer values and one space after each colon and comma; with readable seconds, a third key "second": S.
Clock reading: {"hour": 3, "minute": 2, "second": 3}
